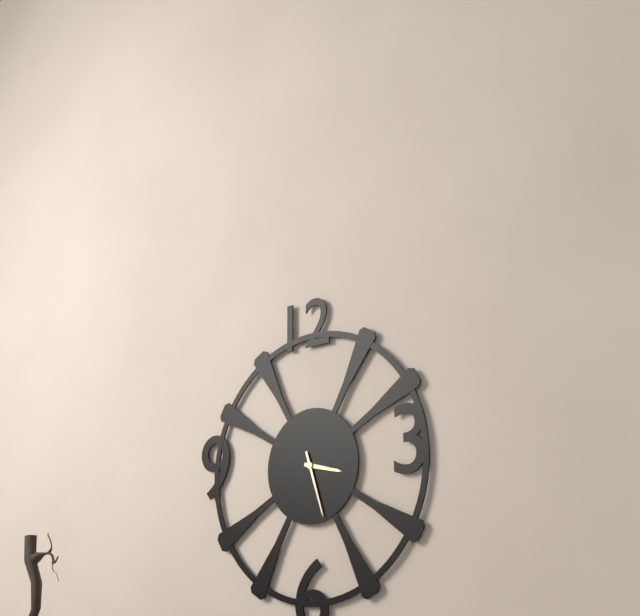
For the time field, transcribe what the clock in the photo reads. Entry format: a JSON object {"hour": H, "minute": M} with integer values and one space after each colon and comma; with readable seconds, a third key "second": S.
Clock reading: {"hour": 3, "minute": 27}
